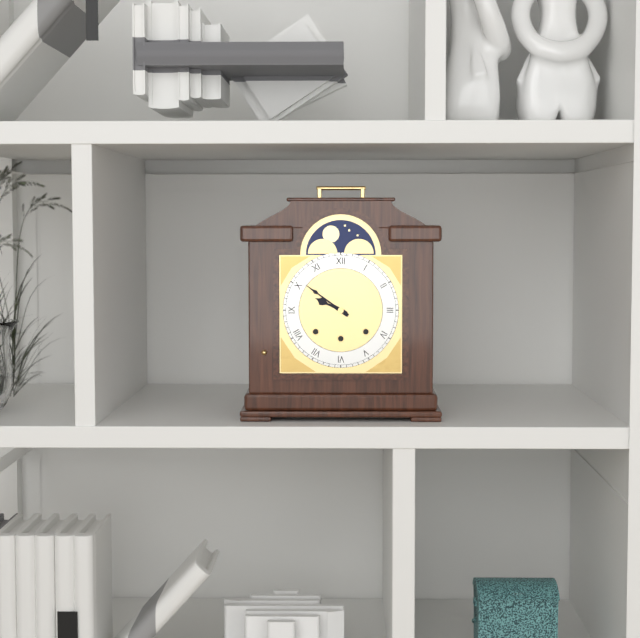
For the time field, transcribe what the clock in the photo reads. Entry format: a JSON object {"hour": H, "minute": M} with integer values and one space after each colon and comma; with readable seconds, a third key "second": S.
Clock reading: {"hour": 9, "minute": 51}
